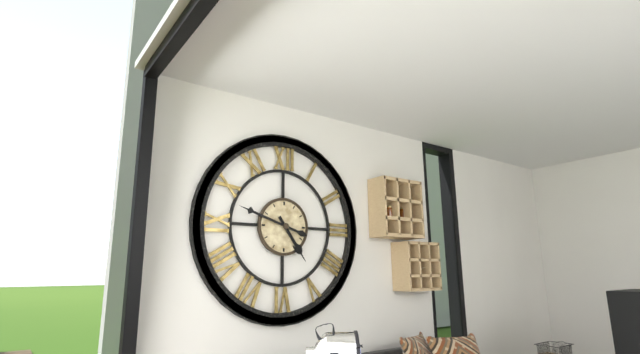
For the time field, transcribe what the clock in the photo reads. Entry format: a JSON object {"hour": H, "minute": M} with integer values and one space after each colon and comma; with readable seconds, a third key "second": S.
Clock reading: {"hour": 4, "minute": 48}
